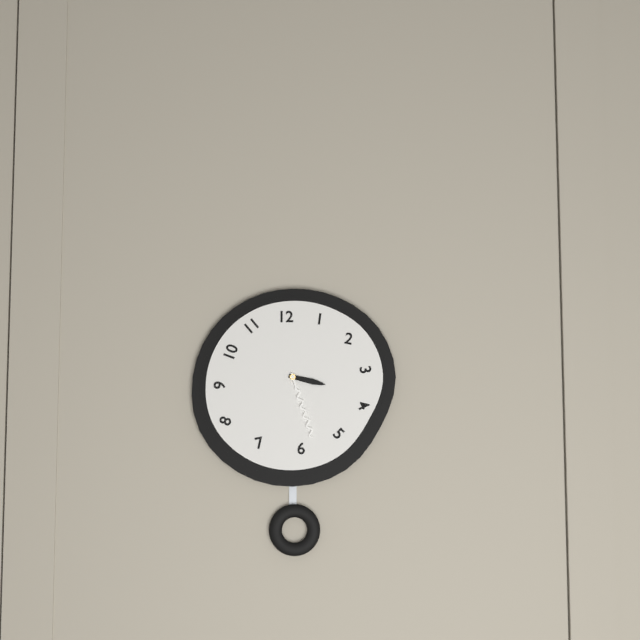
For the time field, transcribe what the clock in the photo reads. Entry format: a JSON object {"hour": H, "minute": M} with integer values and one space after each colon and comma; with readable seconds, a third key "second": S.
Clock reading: {"hour": 3, "minute": 27}
